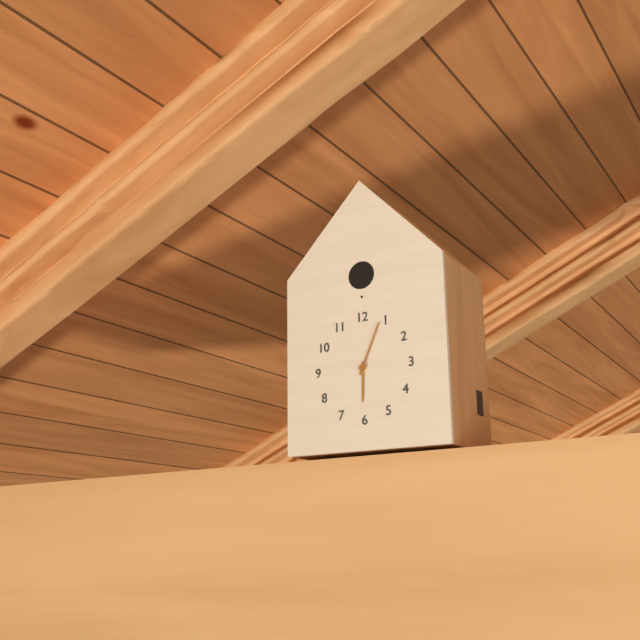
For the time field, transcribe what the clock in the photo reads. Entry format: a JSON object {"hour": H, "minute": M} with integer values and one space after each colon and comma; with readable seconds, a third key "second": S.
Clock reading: {"hour": 6, "minute": 4}
